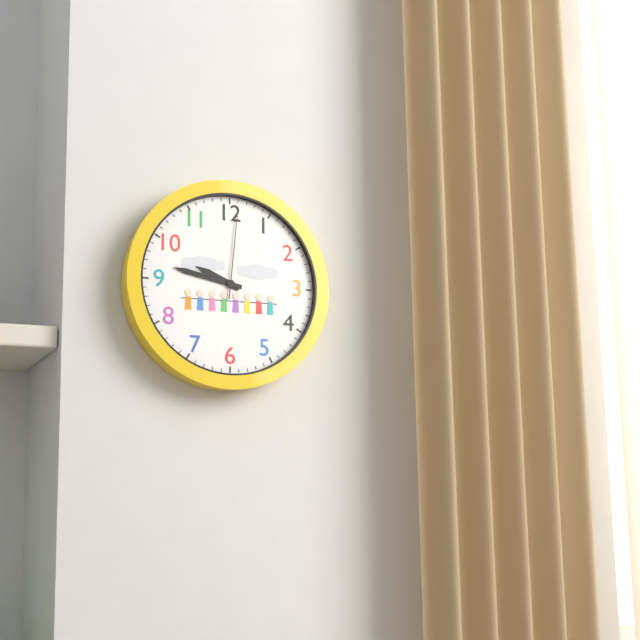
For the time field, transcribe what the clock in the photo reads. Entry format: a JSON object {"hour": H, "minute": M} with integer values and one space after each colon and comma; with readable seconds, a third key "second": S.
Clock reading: {"hour": 9, "minute": 47, "second": 1}
